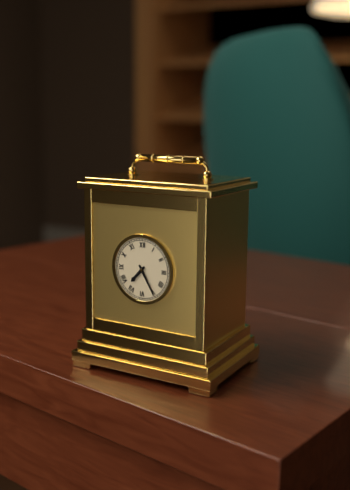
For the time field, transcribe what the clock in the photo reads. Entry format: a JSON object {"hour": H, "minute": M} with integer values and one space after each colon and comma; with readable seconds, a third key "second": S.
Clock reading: {"hour": 7, "minute": 25}
